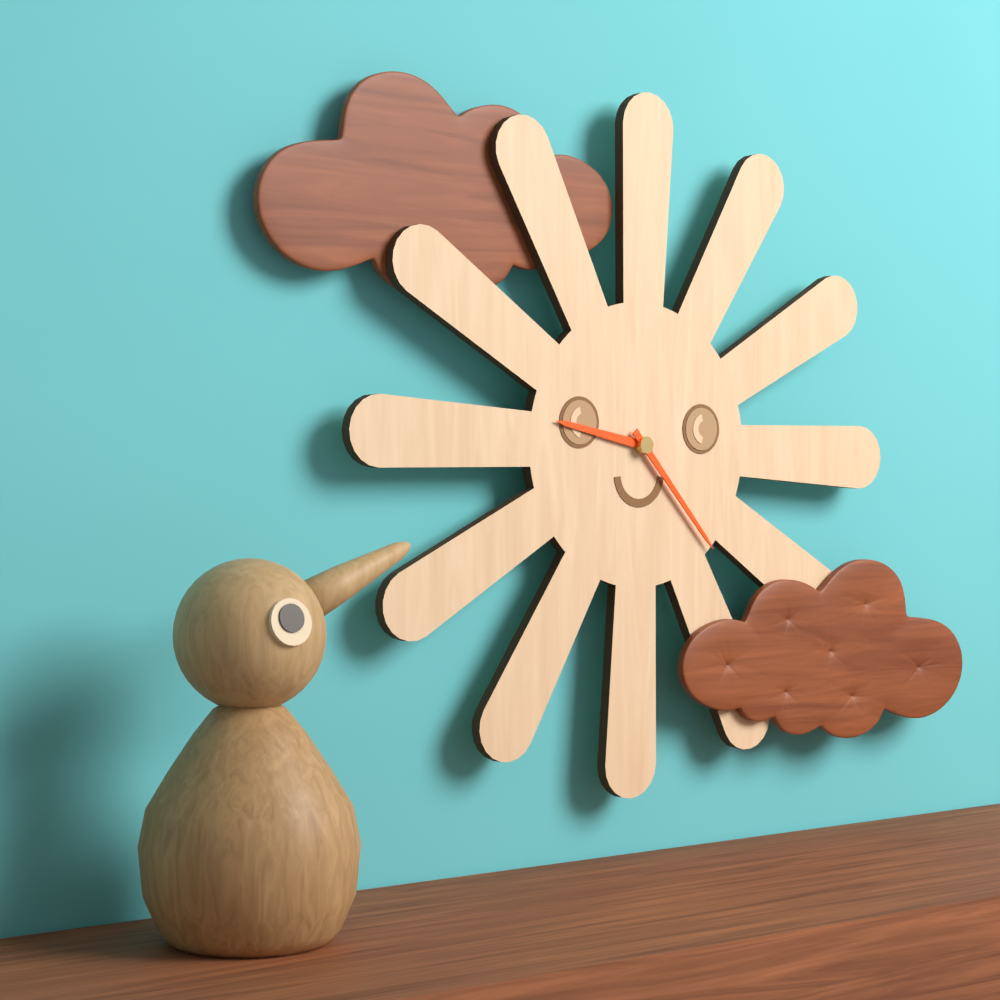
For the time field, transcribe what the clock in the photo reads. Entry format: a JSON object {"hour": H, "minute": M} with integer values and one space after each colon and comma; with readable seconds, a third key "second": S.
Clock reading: {"hour": 9, "minute": 23}
